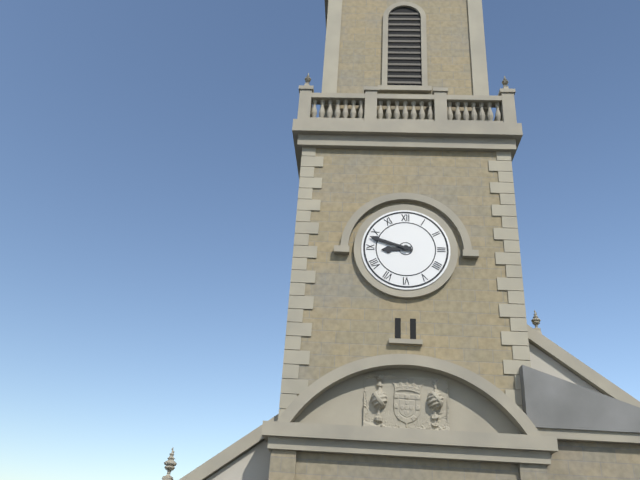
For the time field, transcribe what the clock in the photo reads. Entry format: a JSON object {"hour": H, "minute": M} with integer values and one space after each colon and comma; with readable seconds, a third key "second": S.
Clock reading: {"hour": 8, "minute": 48}
